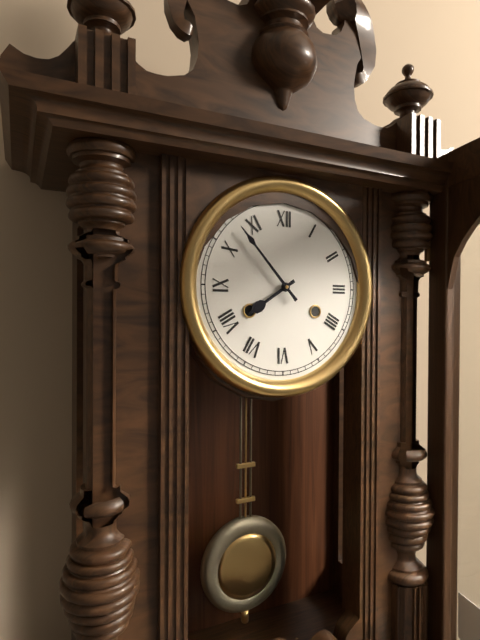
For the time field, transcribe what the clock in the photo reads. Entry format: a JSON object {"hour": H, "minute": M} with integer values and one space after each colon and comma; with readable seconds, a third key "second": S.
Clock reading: {"hour": 7, "minute": 53}
